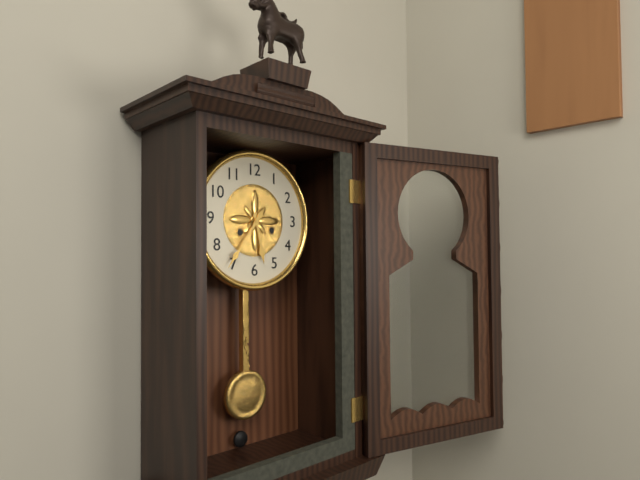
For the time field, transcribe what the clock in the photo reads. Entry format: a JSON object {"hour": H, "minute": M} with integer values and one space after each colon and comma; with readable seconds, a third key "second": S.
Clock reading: {"hour": 5, "minute": 36}
